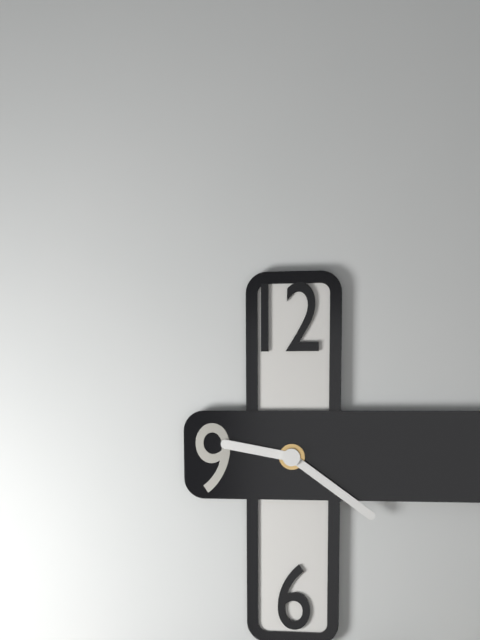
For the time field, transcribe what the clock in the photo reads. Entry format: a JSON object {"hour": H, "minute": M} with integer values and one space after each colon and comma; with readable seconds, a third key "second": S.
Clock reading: {"hour": 9, "minute": 21}
